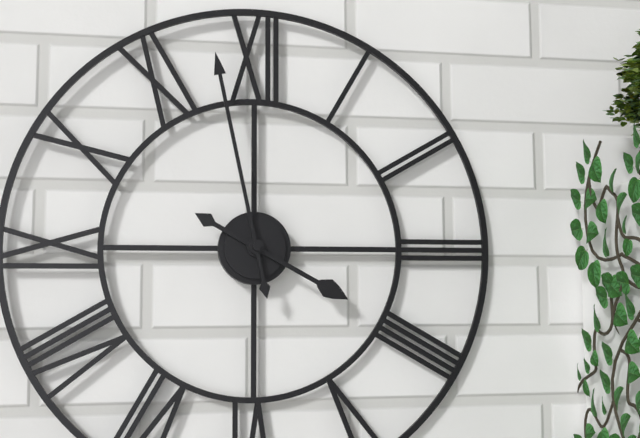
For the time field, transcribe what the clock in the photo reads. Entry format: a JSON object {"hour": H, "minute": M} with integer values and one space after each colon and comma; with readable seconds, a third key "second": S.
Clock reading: {"hour": 3, "minute": 58}
